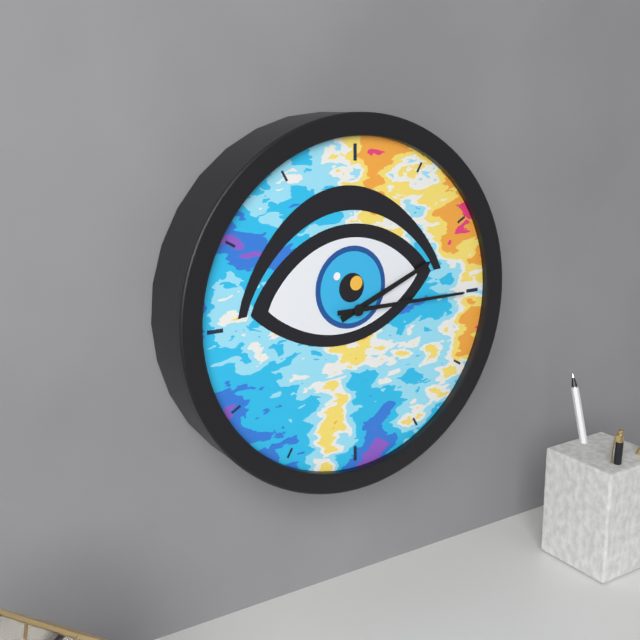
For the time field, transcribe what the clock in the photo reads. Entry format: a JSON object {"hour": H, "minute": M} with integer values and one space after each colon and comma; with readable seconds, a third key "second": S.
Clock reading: {"hour": 2, "minute": 15}
